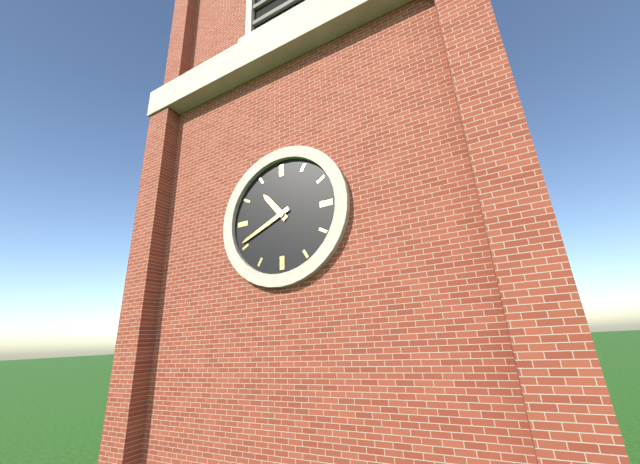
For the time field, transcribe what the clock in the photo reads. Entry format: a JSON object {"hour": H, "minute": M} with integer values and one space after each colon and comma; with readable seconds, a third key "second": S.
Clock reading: {"hour": 10, "minute": 41}
